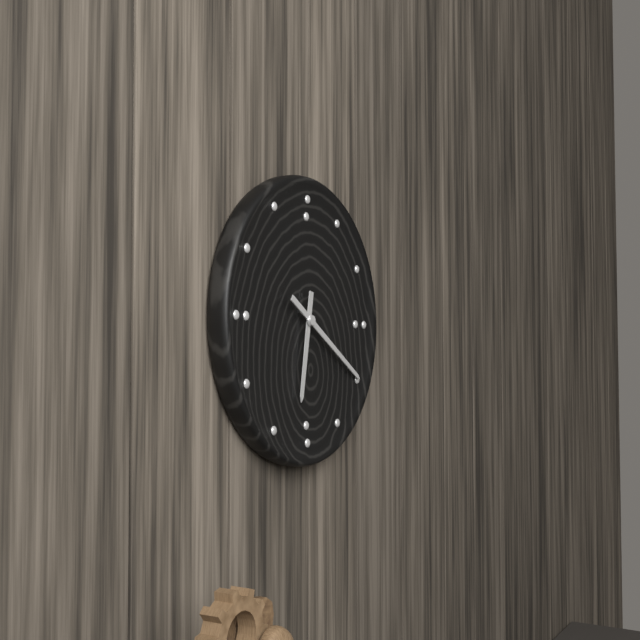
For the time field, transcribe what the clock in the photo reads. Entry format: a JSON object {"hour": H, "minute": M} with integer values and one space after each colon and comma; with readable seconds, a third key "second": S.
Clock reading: {"hour": 6, "minute": 20}
